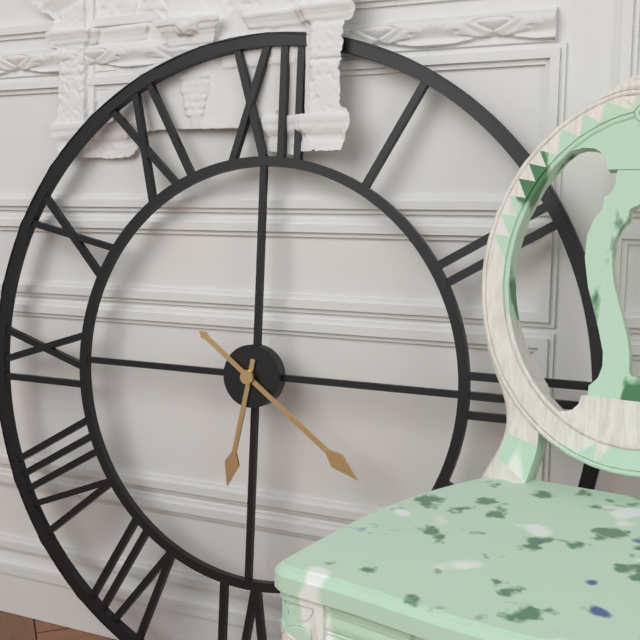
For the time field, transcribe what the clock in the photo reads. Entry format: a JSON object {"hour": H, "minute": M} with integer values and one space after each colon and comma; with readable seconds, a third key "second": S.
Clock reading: {"hour": 6, "minute": 21}
